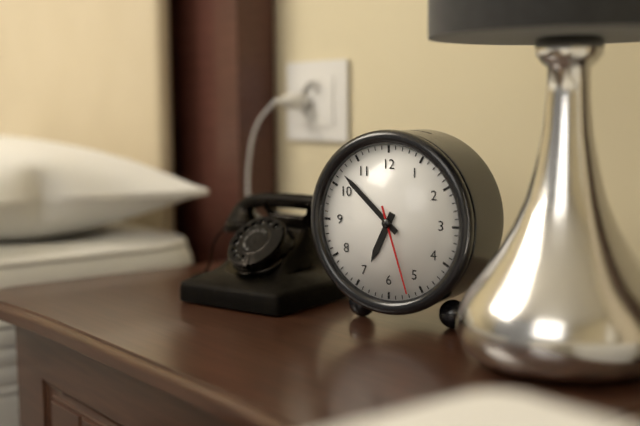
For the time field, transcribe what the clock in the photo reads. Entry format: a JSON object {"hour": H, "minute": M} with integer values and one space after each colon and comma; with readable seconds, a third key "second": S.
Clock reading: {"hour": 6, "minute": 52, "second": 27}
